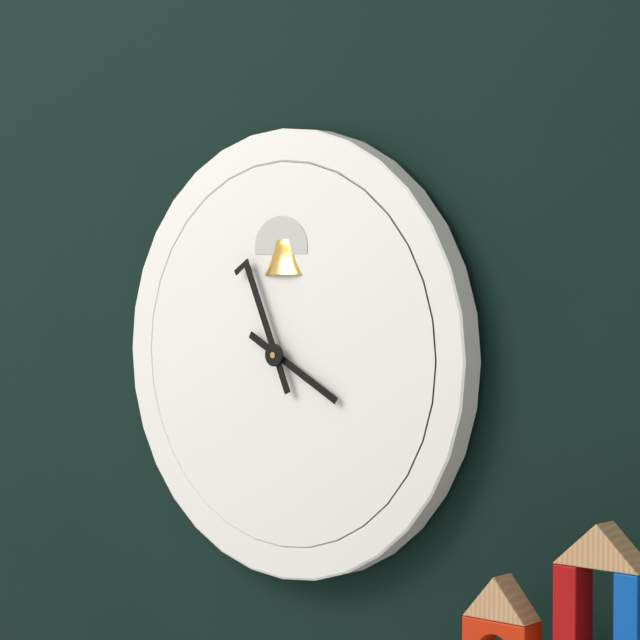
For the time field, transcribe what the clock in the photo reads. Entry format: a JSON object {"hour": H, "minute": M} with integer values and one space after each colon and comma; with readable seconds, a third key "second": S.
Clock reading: {"hour": 3, "minute": 56}
